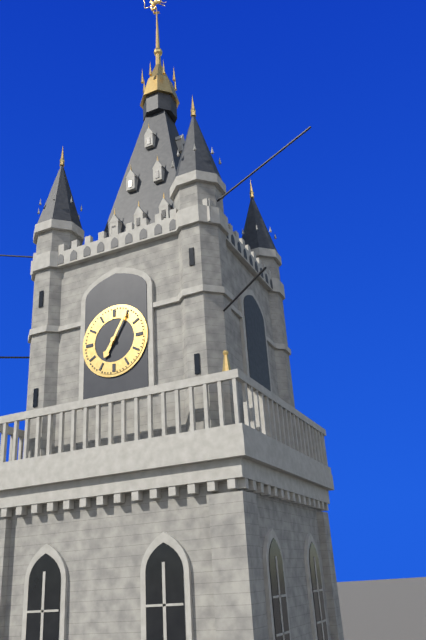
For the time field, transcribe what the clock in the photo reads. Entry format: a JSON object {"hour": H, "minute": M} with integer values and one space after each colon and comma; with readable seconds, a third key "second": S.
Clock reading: {"hour": 7, "minute": 5}
